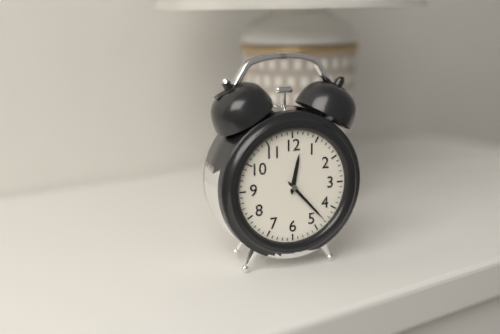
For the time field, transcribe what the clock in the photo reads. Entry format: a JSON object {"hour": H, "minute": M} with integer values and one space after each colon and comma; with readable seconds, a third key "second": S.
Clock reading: {"hour": 12, "minute": 23}
